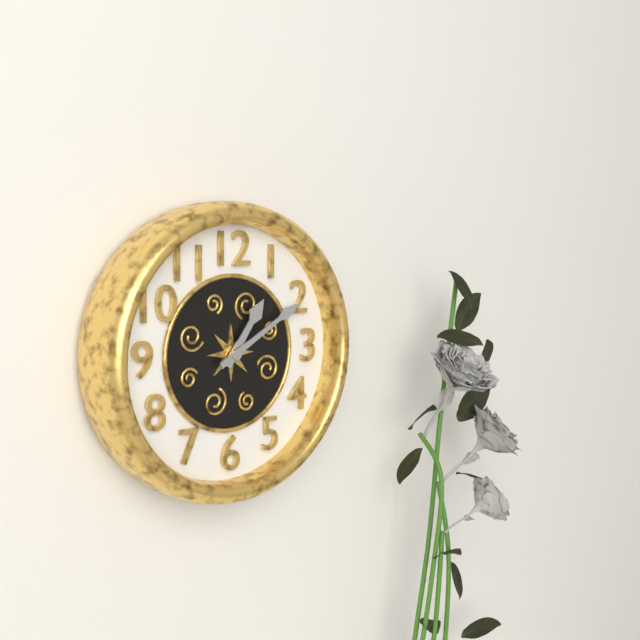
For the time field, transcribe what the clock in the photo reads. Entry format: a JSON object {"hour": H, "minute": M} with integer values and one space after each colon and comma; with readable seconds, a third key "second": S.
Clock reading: {"hour": 1, "minute": 10}
